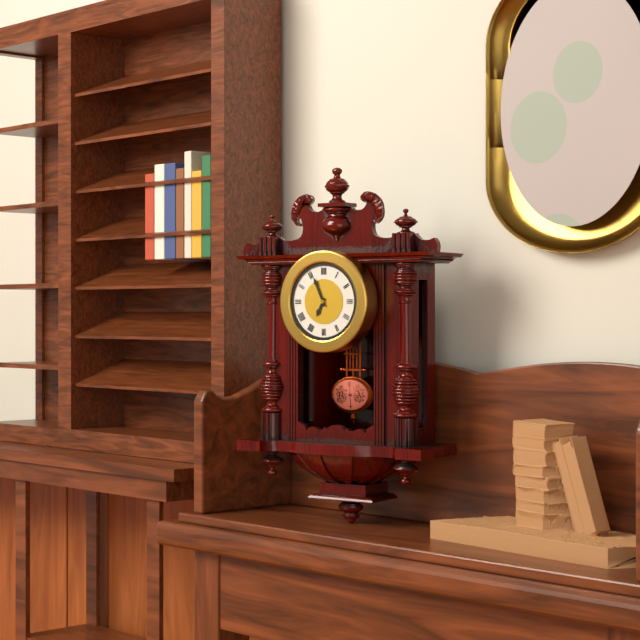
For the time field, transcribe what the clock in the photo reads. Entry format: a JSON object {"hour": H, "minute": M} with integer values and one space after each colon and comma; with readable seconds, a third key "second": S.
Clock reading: {"hour": 6, "minute": 56}
